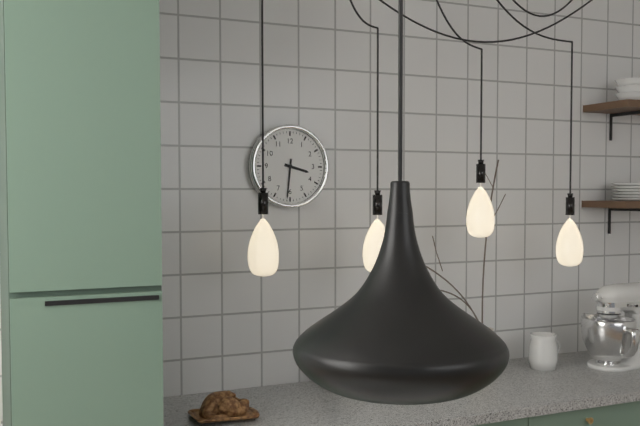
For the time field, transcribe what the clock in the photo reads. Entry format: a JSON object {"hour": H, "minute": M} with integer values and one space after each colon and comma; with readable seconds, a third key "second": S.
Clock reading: {"hour": 3, "minute": 31}
